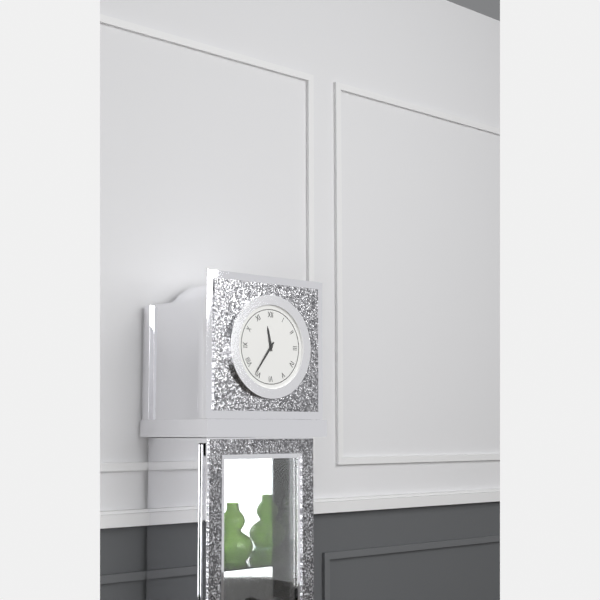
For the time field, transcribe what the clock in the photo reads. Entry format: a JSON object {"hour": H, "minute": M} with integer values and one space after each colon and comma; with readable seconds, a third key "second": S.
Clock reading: {"hour": 11, "minute": 36}
